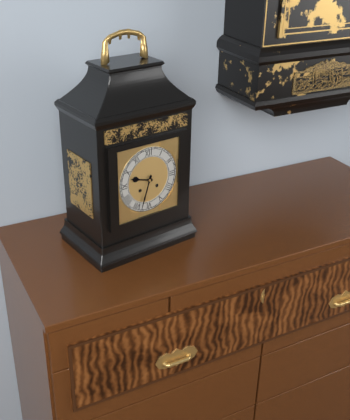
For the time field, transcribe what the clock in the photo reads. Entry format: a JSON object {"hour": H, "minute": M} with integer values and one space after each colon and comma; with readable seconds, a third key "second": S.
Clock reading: {"hour": 9, "minute": 33}
